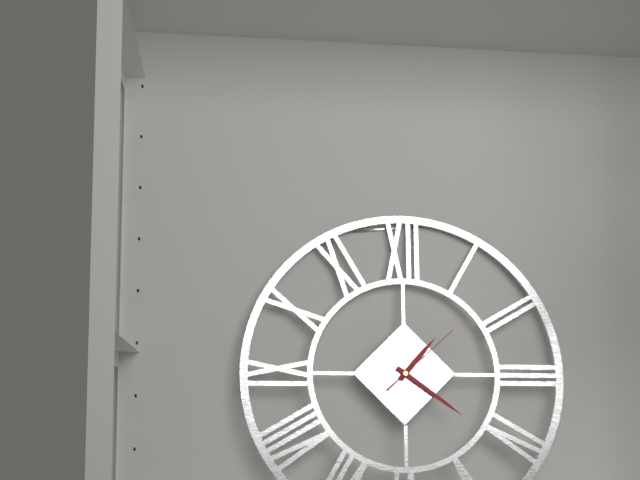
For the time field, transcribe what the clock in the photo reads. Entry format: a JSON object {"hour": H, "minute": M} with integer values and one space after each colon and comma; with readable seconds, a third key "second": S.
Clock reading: {"hour": 1, "minute": 21, "second": 8}
